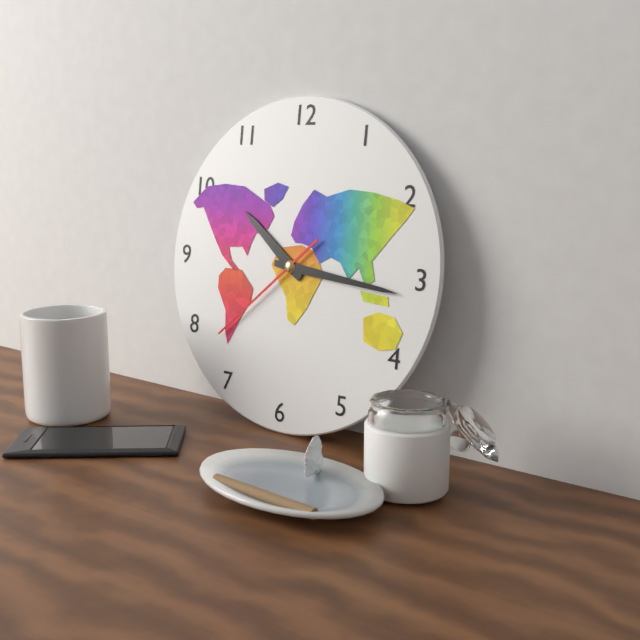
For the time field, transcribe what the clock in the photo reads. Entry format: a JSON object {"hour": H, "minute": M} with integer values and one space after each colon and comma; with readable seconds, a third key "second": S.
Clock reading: {"hour": 10, "minute": 16, "second": 38}
